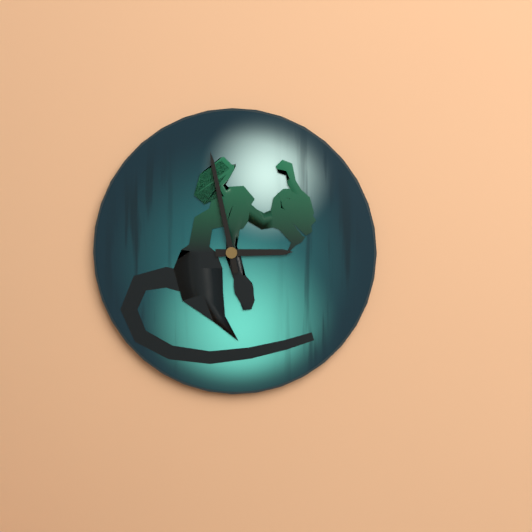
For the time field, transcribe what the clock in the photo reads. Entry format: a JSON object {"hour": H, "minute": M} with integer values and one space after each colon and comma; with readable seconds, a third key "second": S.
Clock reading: {"hour": 2, "minute": 58}
